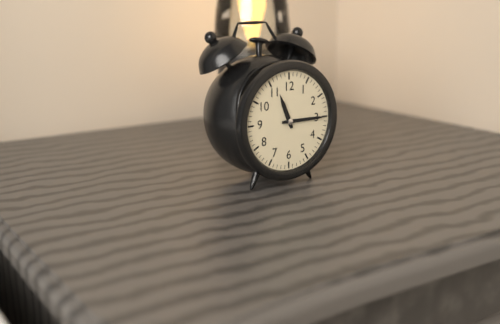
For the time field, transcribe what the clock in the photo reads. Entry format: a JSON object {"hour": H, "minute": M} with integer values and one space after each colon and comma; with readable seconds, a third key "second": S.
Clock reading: {"hour": 11, "minute": 15}
